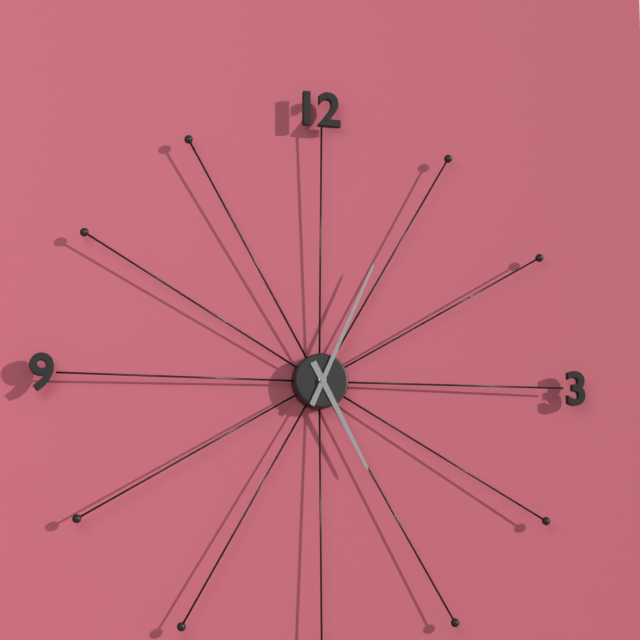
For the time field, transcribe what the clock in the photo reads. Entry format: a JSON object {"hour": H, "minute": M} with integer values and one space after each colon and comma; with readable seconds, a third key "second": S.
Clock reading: {"hour": 5, "minute": 4}
